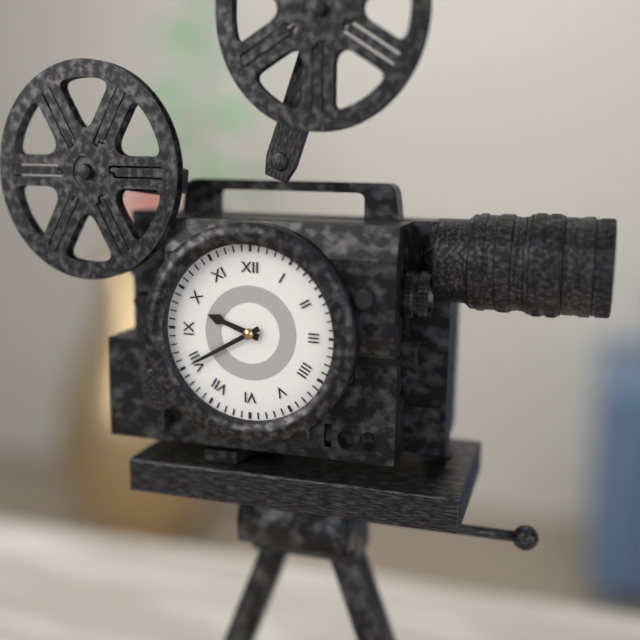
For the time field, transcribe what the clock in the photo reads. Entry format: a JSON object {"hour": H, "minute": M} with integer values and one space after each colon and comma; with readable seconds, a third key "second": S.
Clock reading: {"hour": 9, "minute": 40}
